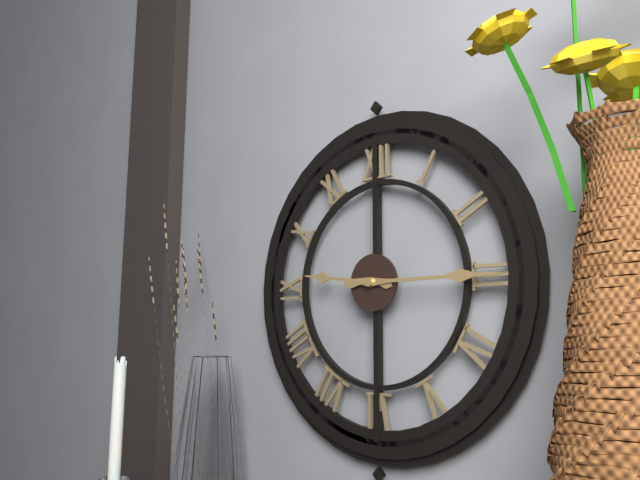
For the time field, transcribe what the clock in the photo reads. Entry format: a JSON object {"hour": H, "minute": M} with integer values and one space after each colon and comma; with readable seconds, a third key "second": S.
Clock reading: {"hour": 9, "minute": 15}
